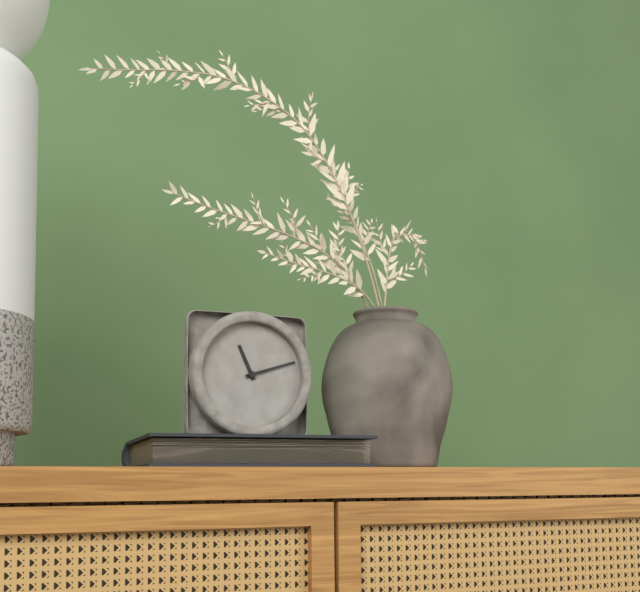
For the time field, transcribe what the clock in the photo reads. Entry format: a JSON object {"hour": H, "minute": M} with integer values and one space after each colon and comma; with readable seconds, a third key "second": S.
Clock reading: {"hour": 11, "minute": 12}
